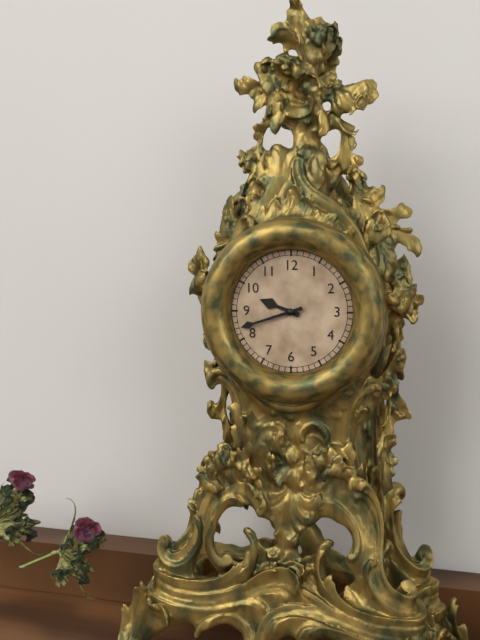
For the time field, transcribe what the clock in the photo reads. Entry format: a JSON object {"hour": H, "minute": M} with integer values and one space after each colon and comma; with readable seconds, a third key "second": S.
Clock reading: {"hour": 9, "minute": 42}
